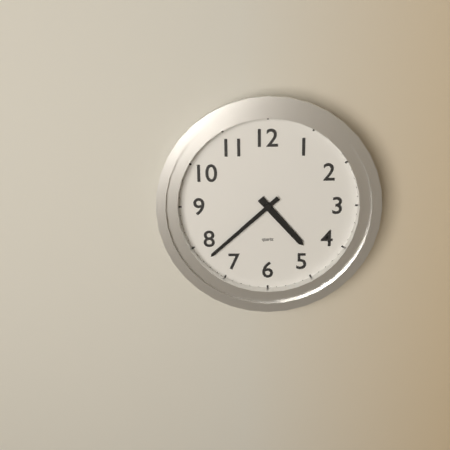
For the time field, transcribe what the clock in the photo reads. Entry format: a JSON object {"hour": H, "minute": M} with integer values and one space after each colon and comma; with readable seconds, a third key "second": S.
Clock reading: {"hour": 4, "minute": 38}
